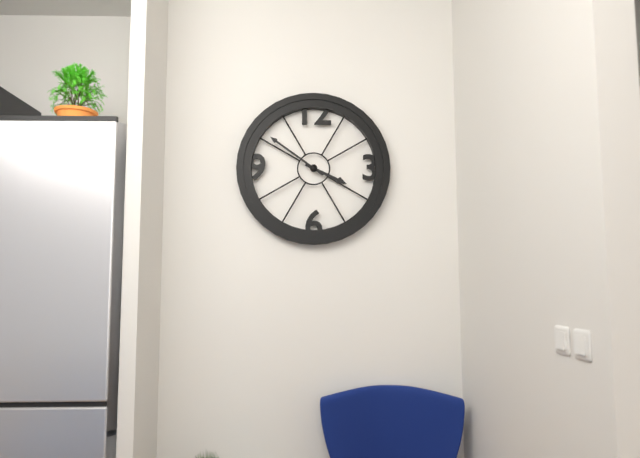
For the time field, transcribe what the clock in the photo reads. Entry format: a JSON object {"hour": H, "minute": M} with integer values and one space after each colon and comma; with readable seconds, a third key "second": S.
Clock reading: {"hour": 3, "minute": 51}
